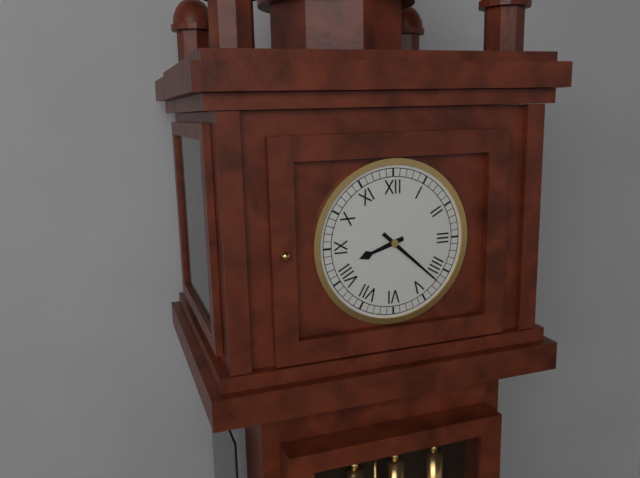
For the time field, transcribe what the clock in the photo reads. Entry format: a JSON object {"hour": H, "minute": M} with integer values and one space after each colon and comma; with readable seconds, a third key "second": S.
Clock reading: {"hour": 8, "minute": 22}
